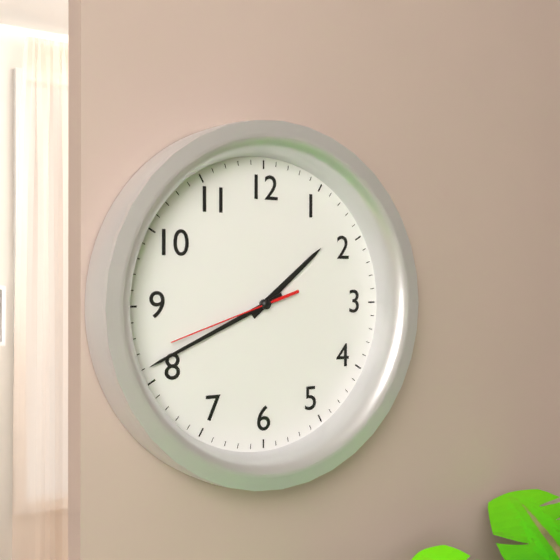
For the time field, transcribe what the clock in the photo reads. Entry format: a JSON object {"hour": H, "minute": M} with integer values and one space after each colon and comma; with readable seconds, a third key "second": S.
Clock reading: {"hour": 1, "minute": 41, "second": 42}
